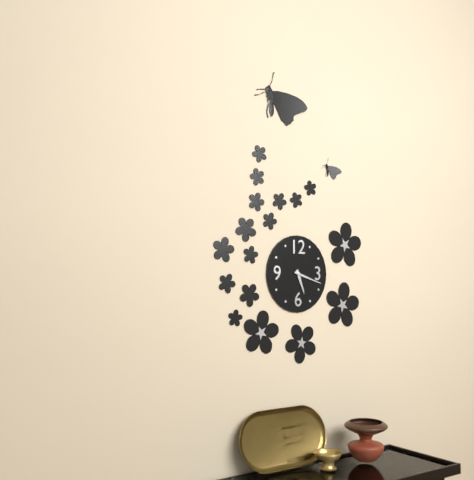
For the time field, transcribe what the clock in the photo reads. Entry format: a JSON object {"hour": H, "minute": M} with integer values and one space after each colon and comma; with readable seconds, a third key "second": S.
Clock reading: {"hour": 5, "minute": 18}
